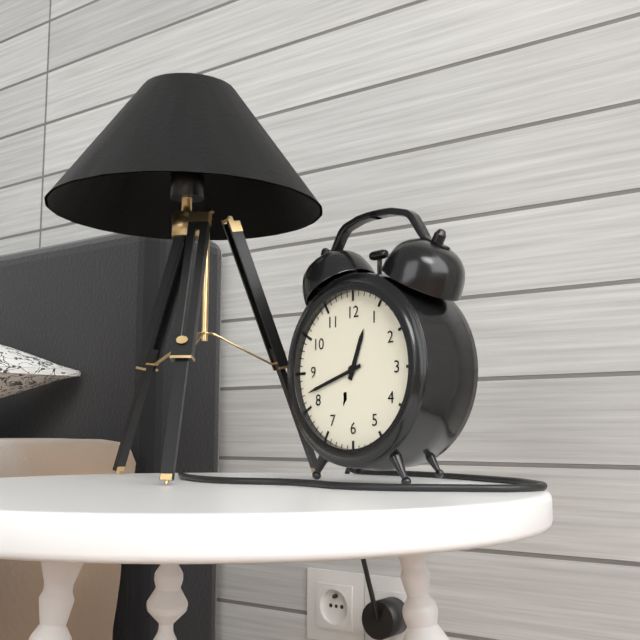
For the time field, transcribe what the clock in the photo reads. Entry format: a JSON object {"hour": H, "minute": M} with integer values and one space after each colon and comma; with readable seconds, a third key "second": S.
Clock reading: {"hour": 12, "minute": 42}
